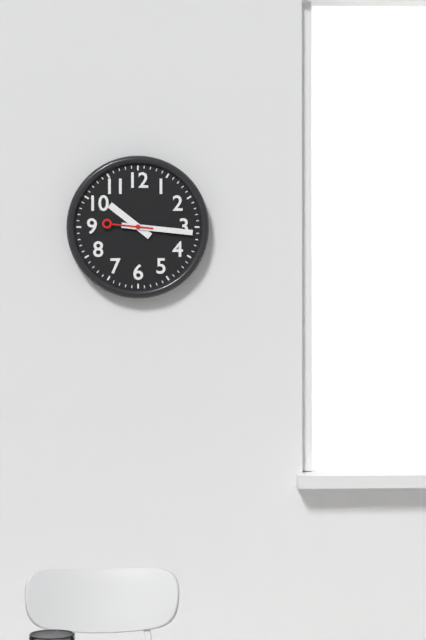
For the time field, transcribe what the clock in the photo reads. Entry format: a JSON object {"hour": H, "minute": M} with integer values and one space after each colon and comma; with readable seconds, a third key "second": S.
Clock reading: {"hour": 10, "minute": 16}
